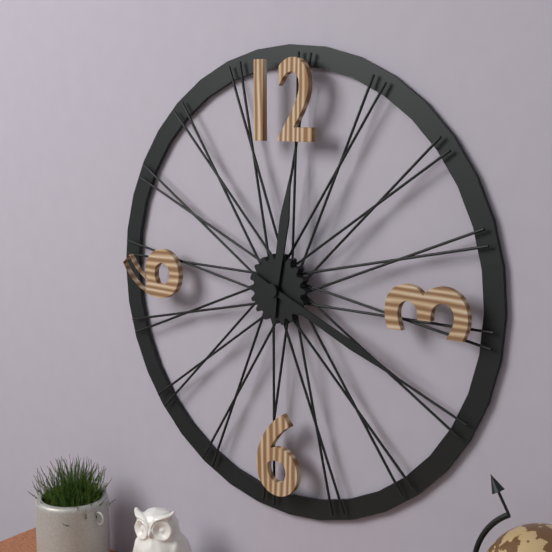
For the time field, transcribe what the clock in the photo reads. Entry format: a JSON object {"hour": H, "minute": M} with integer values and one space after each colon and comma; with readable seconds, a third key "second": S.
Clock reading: {"hour": 12, "minute": 19}
